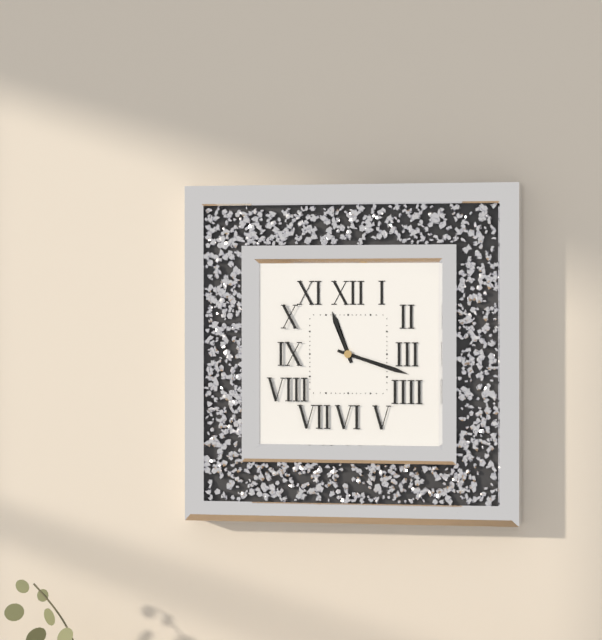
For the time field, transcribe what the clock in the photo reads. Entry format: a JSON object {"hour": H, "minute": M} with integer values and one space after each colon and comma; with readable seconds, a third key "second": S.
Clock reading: {"hour": 11, "minute": 18}
